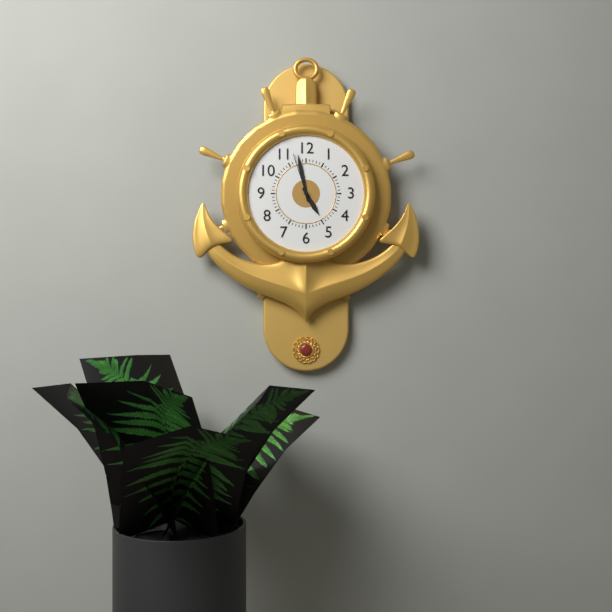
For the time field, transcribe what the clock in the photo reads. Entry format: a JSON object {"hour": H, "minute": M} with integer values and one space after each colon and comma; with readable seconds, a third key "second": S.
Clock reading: {"hour": 4, "minute": 58, "second": 57}
